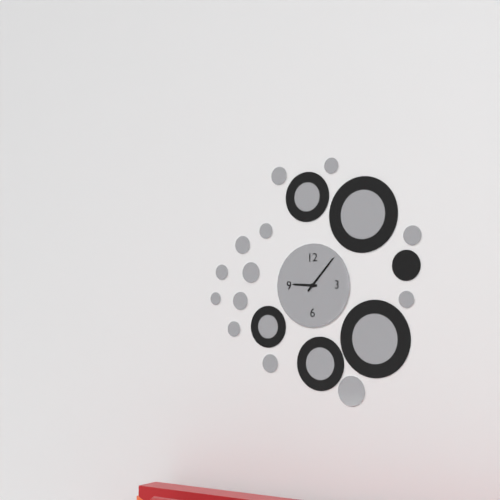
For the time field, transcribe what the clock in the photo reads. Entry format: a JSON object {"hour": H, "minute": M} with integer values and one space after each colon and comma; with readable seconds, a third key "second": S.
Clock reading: {"hour": 9, "minute": 7}
